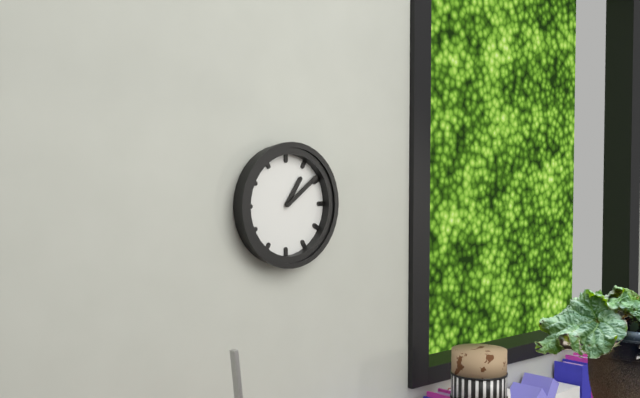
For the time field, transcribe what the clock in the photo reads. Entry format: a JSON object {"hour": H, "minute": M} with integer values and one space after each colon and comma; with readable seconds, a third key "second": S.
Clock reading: {"hour": 1, "minute": 9}
